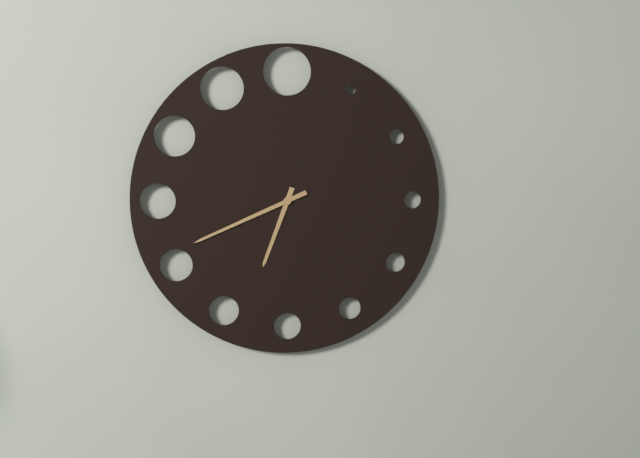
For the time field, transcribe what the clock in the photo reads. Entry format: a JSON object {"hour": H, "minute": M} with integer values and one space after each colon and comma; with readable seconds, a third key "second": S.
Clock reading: {"hour": 6, "minute": 41}
